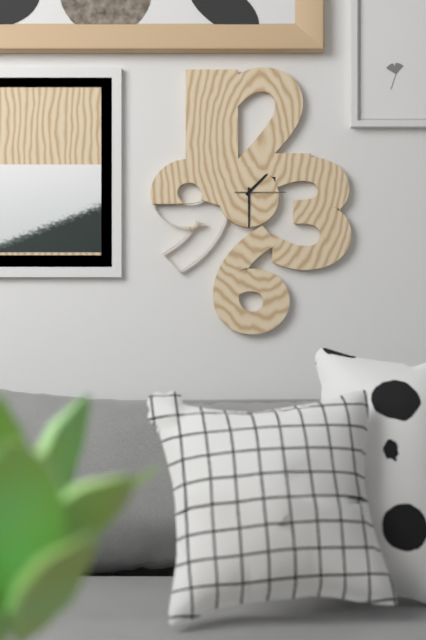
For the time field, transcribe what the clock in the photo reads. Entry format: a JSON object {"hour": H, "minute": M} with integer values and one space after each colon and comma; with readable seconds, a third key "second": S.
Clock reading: {"hour": 1, "minute": 30}
